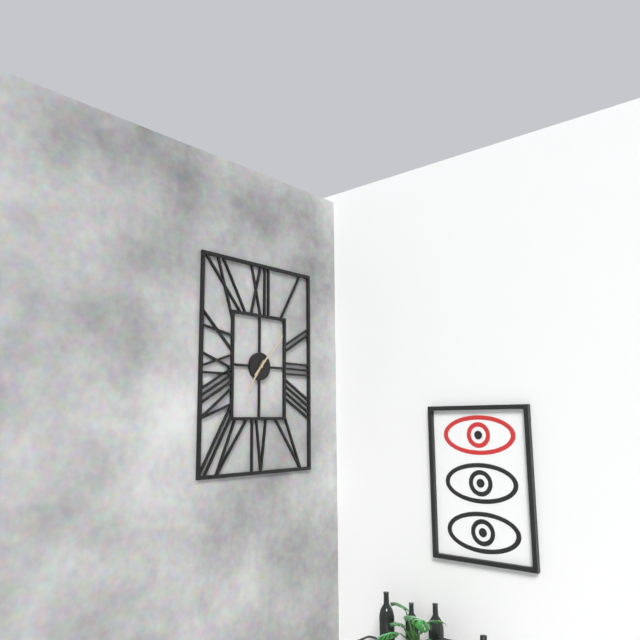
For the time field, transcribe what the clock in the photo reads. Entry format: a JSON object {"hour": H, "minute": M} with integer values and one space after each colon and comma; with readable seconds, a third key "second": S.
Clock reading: {"hour": 7, "minute": 7}
